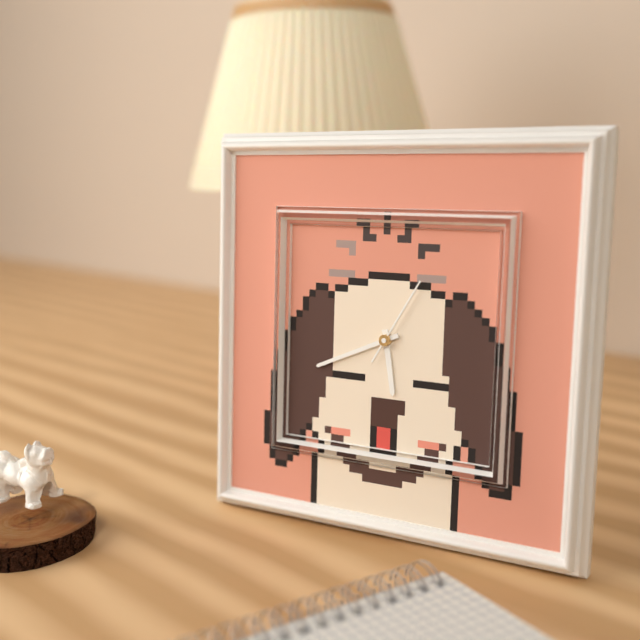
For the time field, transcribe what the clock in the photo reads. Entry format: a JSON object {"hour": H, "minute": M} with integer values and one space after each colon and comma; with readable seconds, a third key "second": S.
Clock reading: {"hour": 5, "minute": 41, "second": 5}
